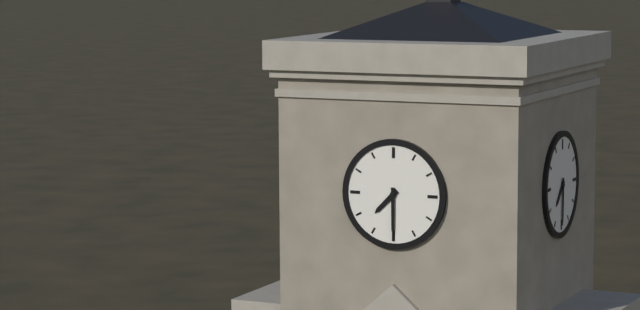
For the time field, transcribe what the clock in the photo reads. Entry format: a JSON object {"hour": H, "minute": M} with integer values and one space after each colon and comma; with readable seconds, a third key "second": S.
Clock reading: {"hour": 7, "minute": 30}
